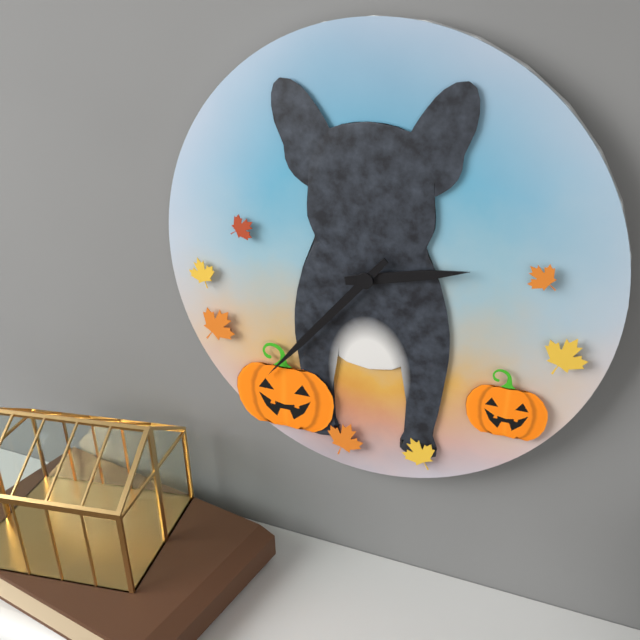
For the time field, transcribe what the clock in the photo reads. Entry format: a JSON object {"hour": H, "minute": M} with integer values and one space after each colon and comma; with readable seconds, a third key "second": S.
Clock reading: {"hour": 2, "minute": 37}
